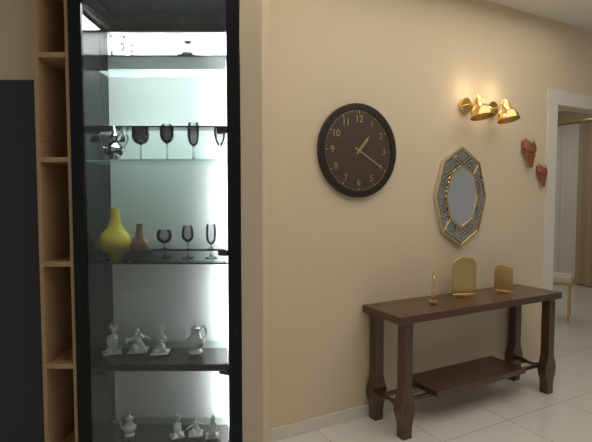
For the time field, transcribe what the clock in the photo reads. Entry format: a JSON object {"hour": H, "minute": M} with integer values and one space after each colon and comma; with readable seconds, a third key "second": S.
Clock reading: {"hour": 1, "minute": 20}
